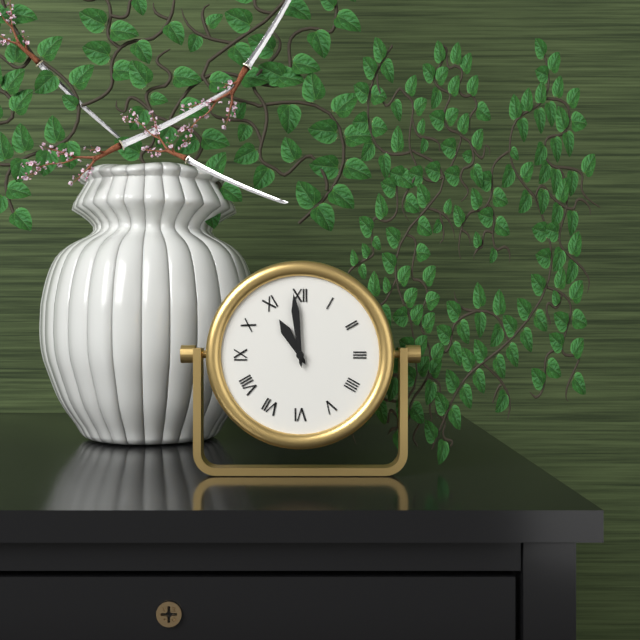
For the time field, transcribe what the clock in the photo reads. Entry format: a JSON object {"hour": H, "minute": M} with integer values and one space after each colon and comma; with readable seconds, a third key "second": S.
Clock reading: {"hour": 10, "minute": 59}
